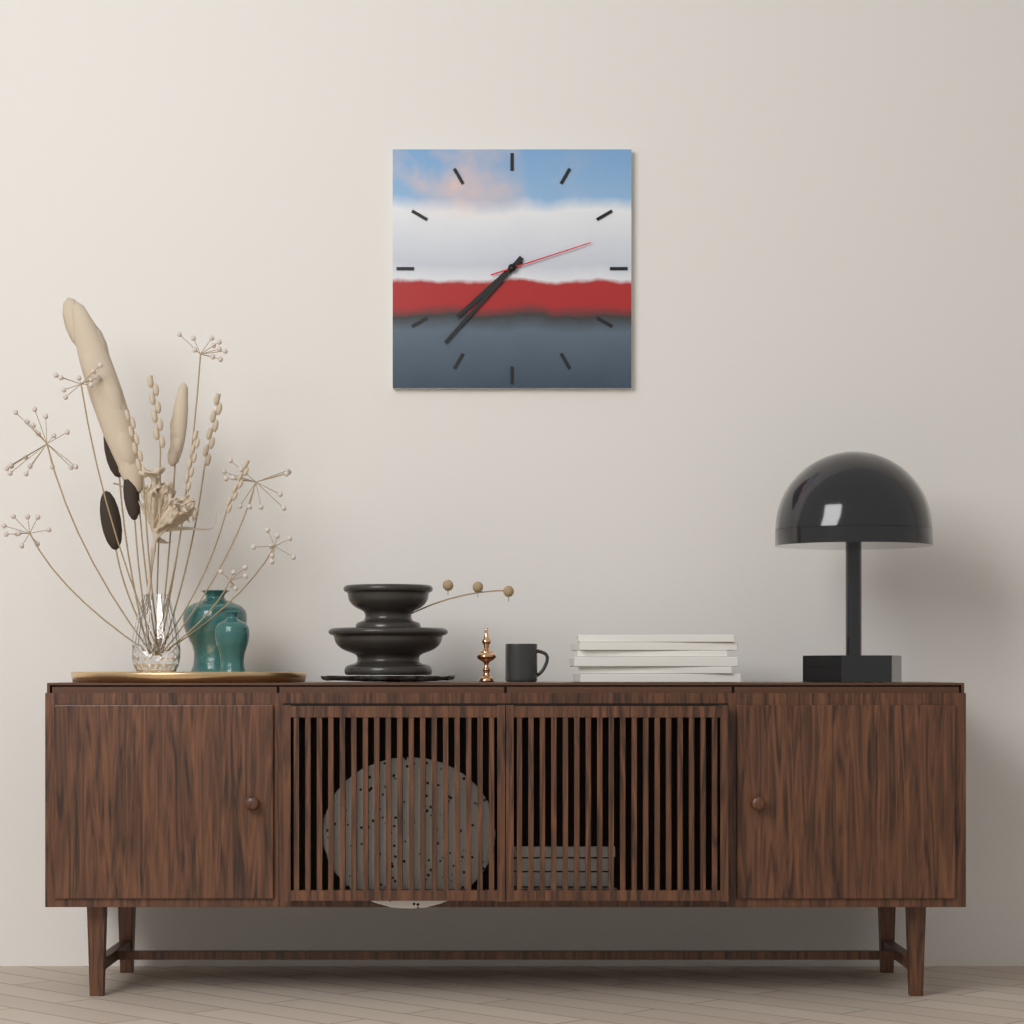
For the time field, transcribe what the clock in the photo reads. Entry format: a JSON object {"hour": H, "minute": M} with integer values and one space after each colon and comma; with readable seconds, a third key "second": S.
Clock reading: {"hour": 7, "minute": 37, "second": 12}
